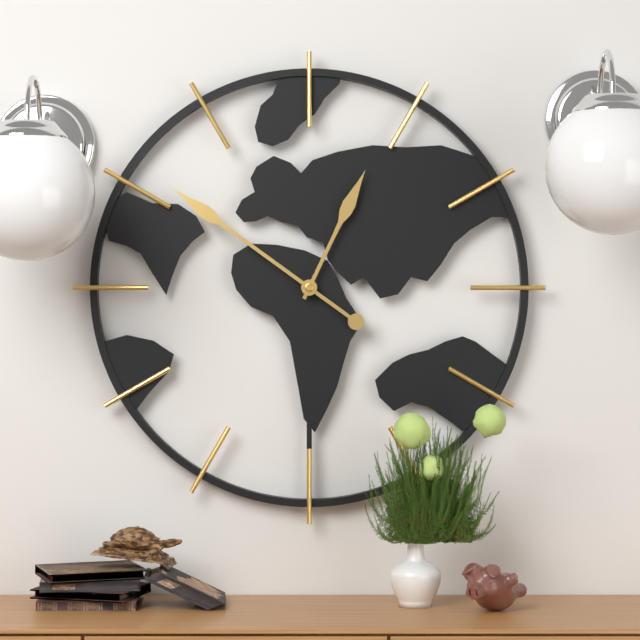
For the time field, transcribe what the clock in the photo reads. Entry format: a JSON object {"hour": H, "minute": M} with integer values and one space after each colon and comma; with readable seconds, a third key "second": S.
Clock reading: {"hour": 12, "minute": 51}
